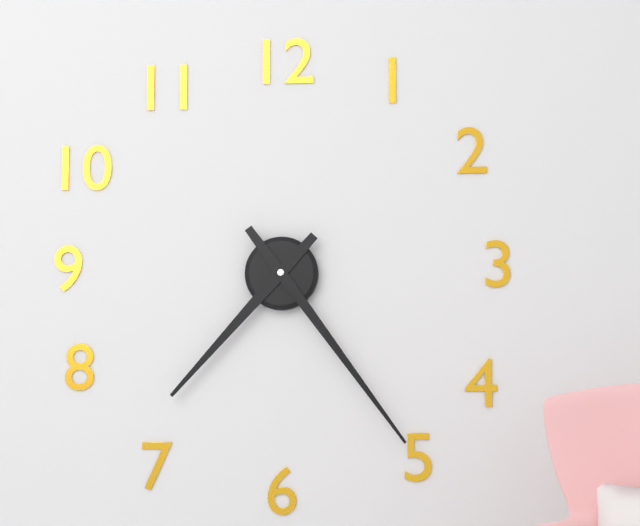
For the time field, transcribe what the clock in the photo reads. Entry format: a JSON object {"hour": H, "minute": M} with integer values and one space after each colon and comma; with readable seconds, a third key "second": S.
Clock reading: {"hour": 7, "minute": 24}
